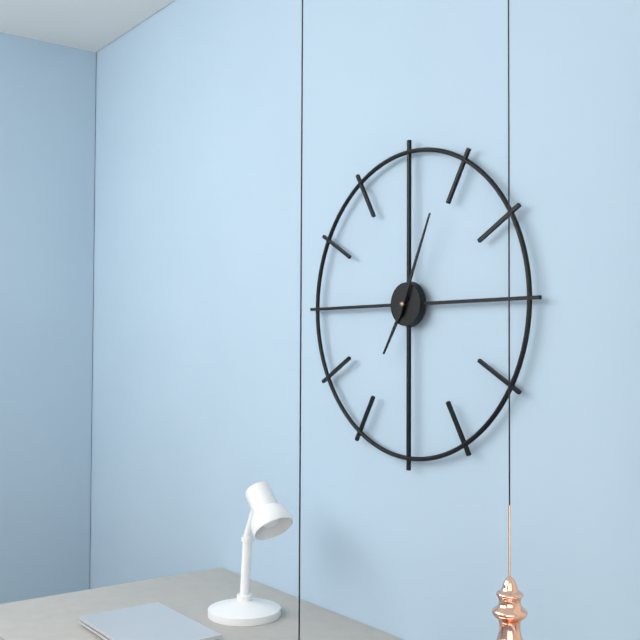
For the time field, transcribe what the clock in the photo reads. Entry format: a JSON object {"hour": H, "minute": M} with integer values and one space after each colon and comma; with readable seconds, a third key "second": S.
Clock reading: {"hour": 7, "minute": 4}
